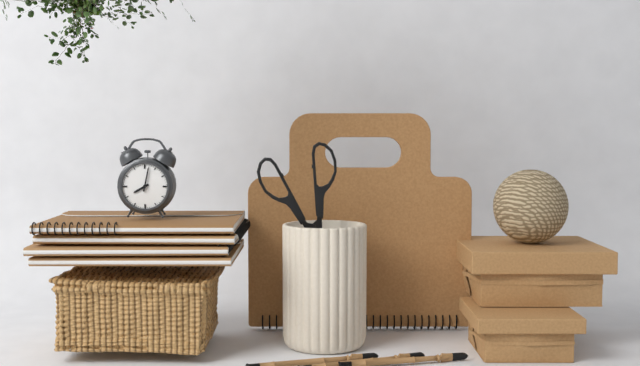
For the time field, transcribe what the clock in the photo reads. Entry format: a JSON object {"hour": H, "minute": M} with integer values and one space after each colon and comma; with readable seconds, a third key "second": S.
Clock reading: {"hour": 8, "minute": 2}
